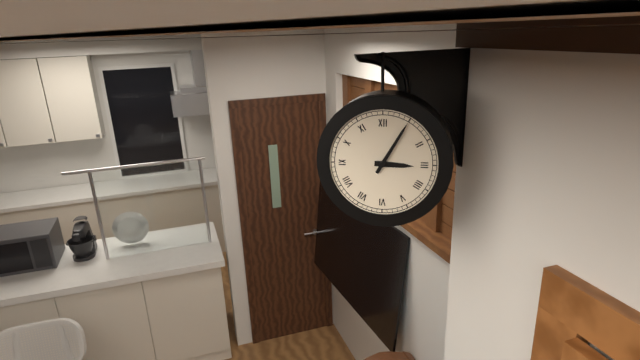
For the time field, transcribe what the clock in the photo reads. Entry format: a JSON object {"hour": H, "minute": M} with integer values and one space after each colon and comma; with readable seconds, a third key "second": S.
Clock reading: {"hour": 3, "minute": 5}
